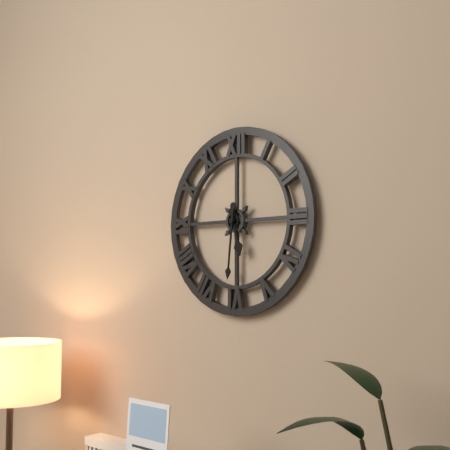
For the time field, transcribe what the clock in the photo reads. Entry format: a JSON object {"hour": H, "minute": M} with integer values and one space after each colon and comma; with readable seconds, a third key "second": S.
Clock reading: {"hour": 5, "minute": 31}
